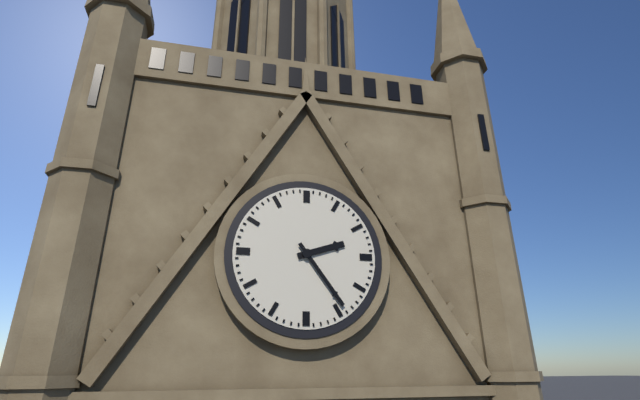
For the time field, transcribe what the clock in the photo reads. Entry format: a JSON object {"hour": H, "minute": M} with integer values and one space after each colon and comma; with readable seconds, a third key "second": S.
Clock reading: {"hour": 2, "minute": 24}
